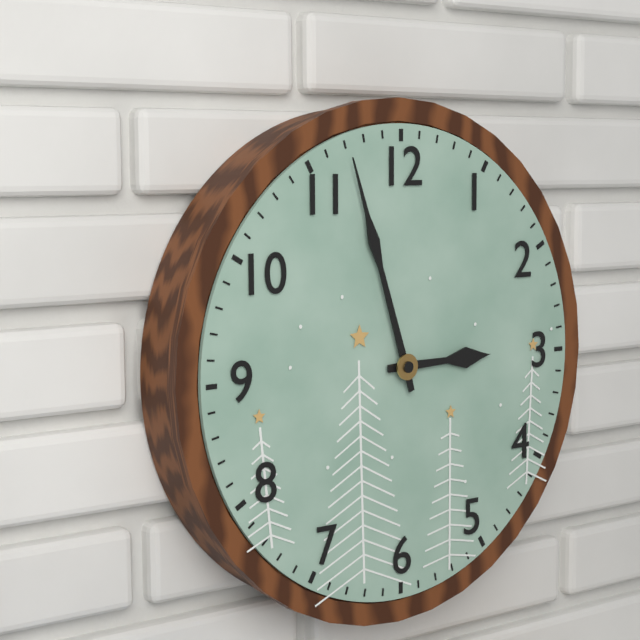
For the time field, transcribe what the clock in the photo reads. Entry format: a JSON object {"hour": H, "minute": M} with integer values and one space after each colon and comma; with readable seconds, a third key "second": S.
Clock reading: {"hour": 2, "minute": 57}
